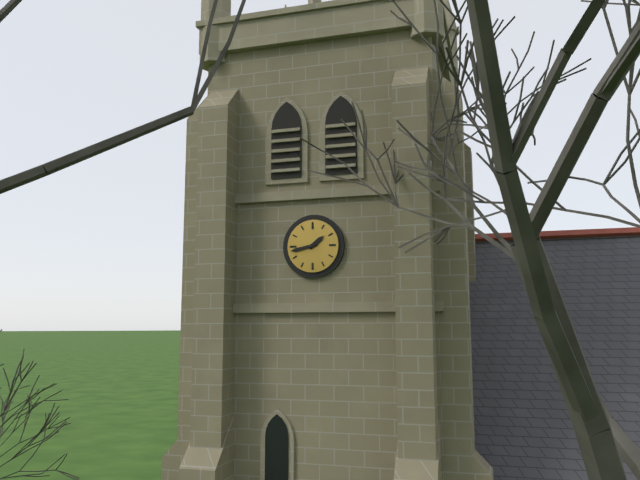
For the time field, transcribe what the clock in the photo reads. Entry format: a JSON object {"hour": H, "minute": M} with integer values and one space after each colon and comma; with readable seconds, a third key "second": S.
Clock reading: {"hour": 1, "minute": 43}
